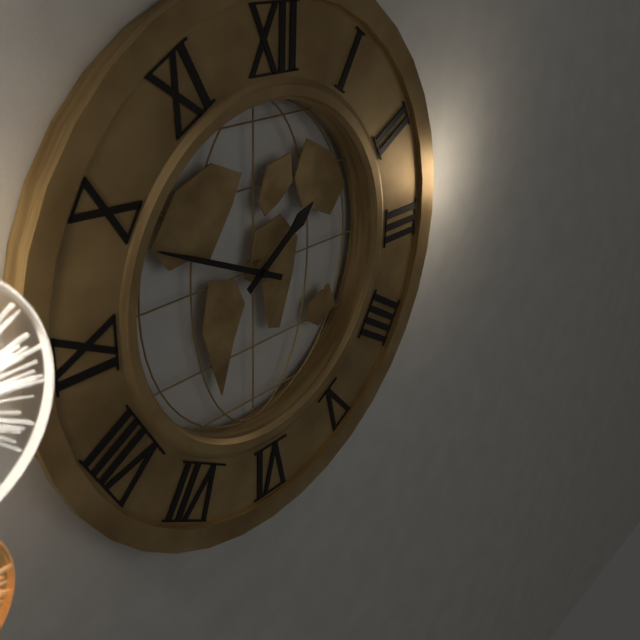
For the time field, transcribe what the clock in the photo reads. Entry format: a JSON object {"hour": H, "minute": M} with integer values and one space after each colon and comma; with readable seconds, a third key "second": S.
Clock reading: {"hour": 1, "minute": 49}
